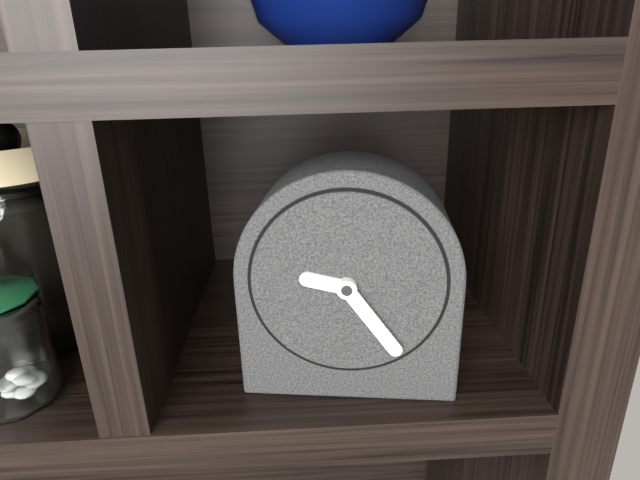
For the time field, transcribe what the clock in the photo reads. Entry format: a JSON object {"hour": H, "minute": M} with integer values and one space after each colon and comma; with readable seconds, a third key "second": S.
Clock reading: {"hour": 9, "minute": 24}
